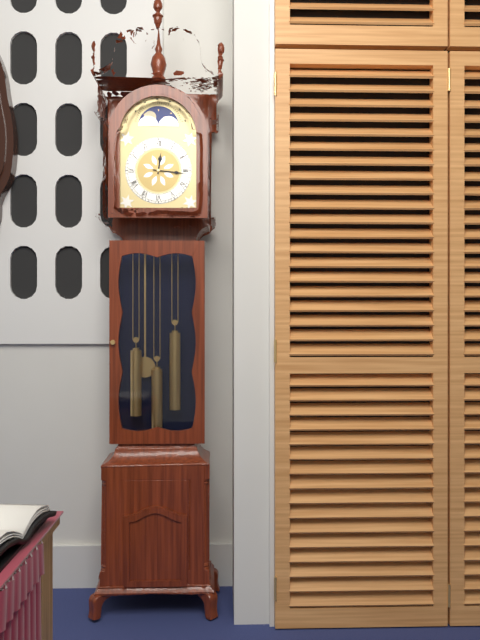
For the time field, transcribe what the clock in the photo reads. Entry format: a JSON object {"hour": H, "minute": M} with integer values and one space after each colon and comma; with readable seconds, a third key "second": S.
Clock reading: {"hour": 12, "minute": 16}
